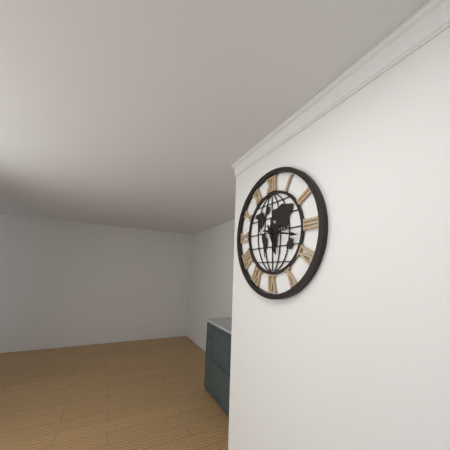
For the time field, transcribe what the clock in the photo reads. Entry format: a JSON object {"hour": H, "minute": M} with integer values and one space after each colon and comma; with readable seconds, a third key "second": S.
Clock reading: {"hour": 5, "minute": 17}
